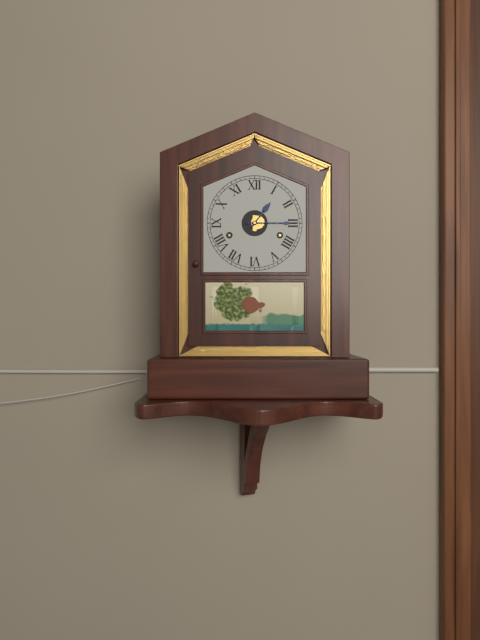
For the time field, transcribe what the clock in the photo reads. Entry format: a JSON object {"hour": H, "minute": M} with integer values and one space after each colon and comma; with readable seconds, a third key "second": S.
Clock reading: {"hour": 1, "minute": 15}
